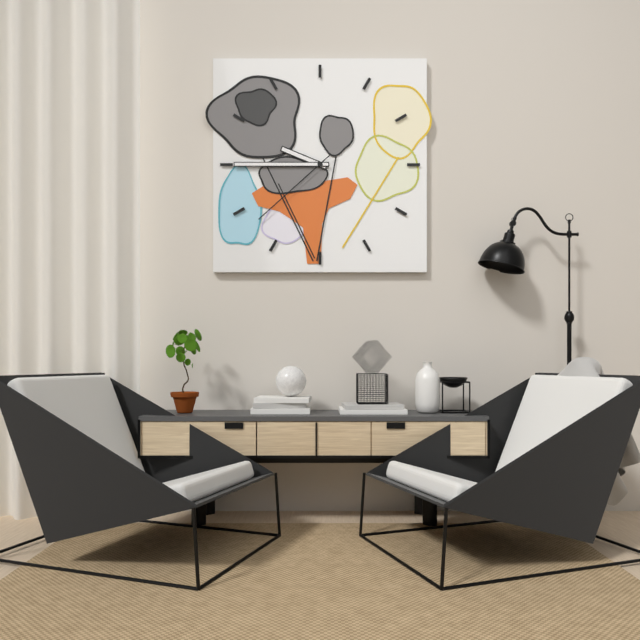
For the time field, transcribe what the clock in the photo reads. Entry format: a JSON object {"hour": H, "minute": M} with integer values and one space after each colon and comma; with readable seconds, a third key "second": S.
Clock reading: {"hour": 9, "minute": 45, "second": 38}
